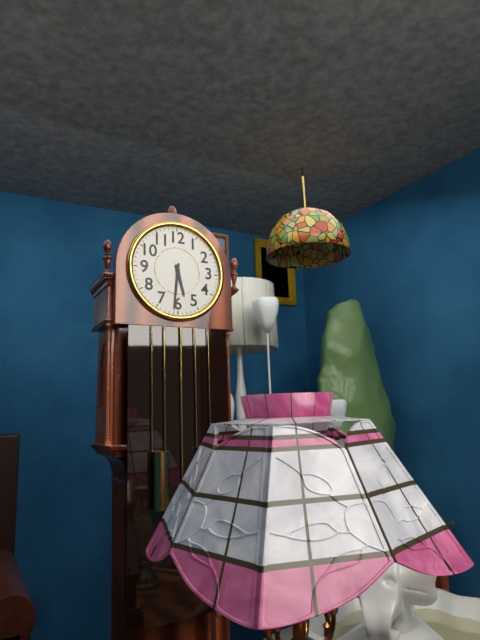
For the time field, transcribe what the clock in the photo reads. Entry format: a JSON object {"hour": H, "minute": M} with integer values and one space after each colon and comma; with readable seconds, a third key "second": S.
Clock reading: {"hour": 5, "minute": 31}
